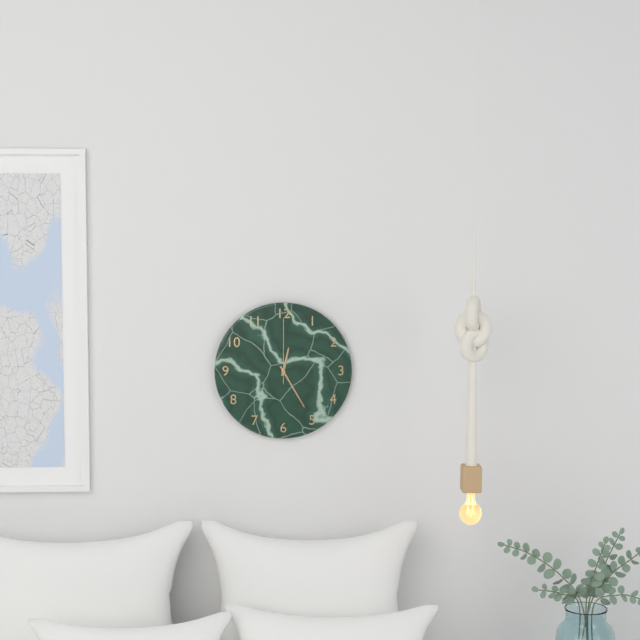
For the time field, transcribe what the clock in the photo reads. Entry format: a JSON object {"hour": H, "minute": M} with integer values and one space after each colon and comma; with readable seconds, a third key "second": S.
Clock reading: {"hour": 12, "minute": 25, "second": 0}
